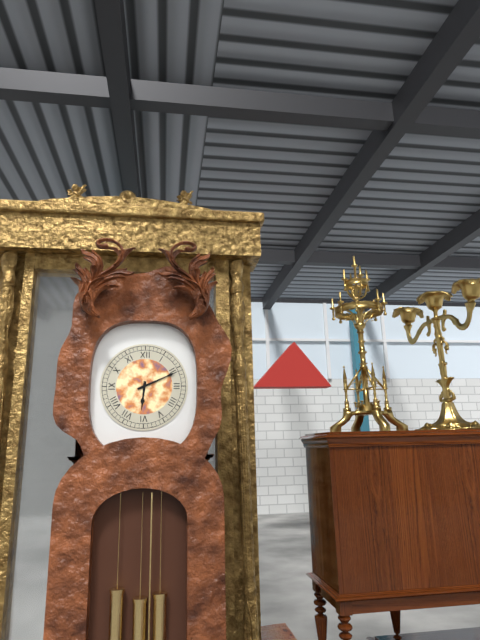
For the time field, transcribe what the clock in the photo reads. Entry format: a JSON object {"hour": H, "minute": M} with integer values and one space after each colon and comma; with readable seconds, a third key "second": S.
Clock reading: {"hour": 6, "minute": 11}
